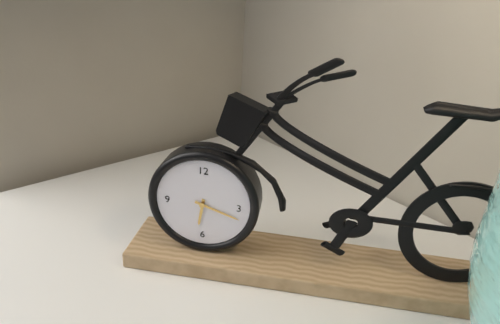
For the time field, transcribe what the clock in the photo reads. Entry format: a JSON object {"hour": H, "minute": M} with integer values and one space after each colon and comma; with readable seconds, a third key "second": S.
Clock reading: {"hour": 6, "minute": 18}
